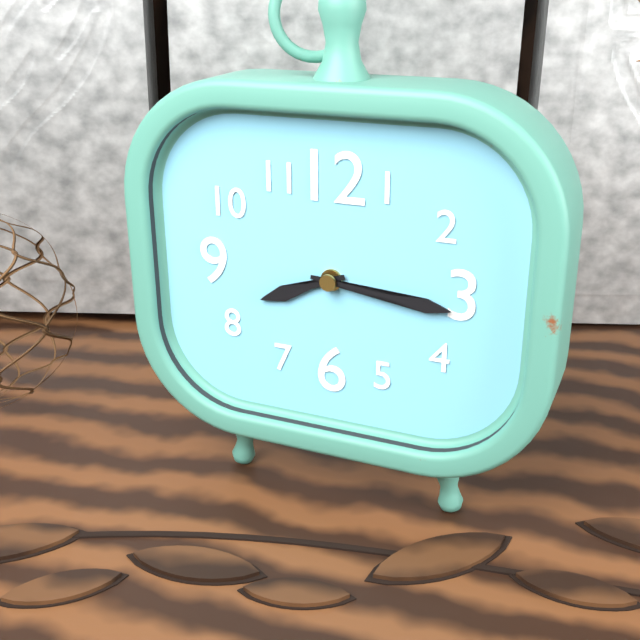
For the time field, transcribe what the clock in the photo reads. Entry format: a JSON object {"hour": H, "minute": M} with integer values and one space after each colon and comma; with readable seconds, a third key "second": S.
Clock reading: {"hour": 8, "minute": 16}
